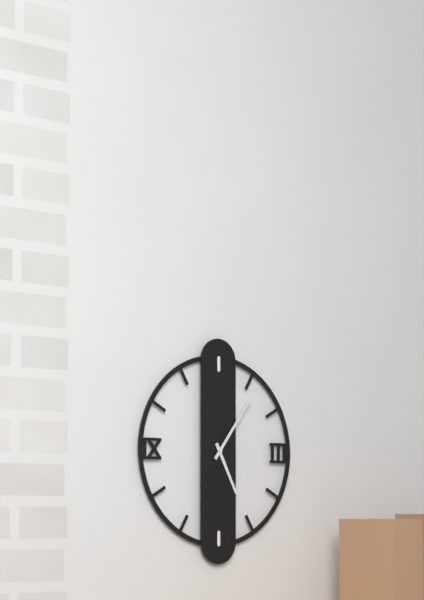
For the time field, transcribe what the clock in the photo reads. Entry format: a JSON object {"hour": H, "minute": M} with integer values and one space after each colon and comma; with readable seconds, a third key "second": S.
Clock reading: {"hour": 5, "minute": 6}
